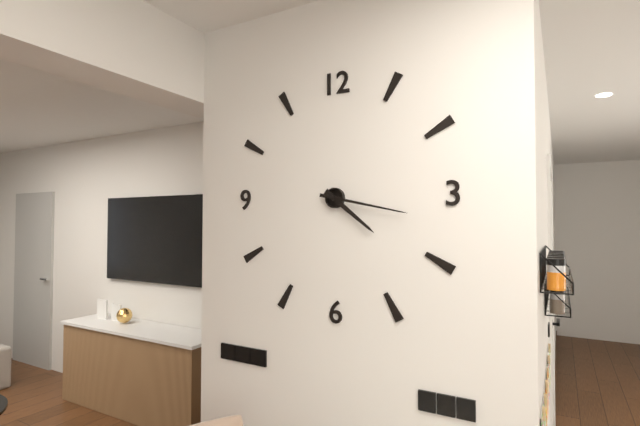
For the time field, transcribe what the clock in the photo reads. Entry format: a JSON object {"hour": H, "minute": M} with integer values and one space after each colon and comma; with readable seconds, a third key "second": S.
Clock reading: {"hour": 4, "minute": 17}
